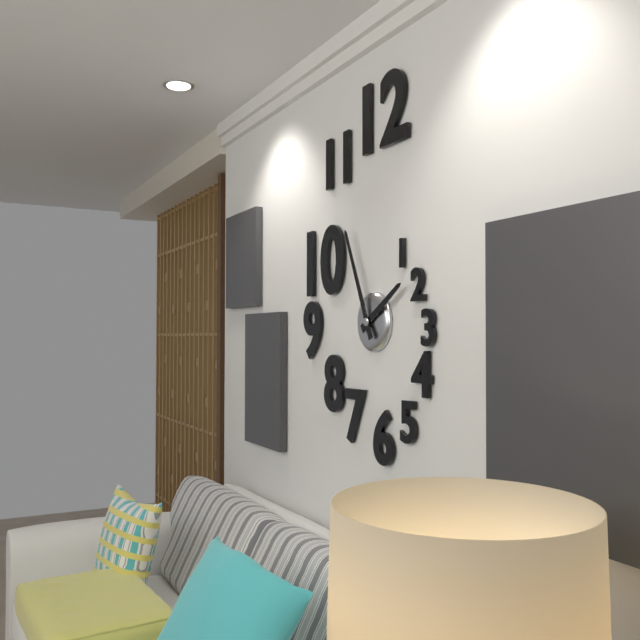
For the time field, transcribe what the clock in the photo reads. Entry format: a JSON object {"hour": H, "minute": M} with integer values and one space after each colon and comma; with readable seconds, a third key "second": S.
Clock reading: {"hour": 1, "minute": 56}
